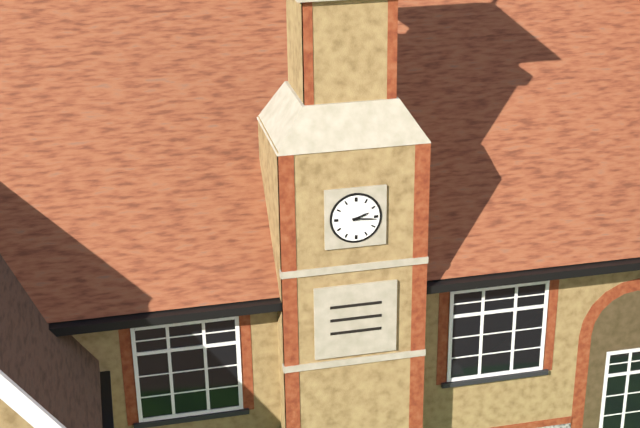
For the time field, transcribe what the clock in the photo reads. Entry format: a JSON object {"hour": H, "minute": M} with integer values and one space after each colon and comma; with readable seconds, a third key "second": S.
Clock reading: {"hour": 2, "minute": 16}
